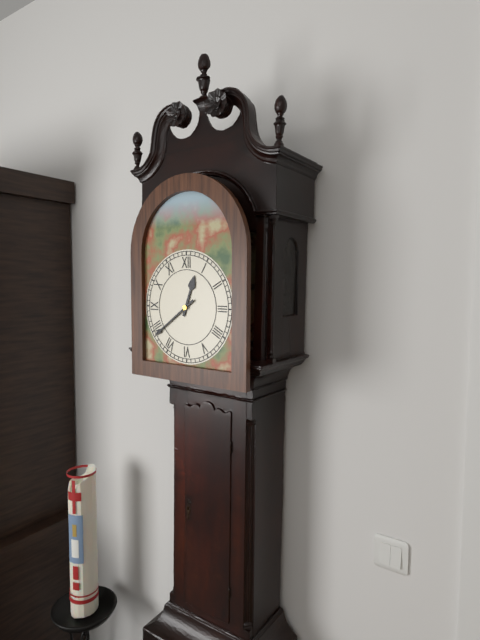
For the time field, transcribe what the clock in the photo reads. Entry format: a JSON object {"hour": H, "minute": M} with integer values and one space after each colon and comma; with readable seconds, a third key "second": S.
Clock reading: {"hour": 12, "minute": 39}
